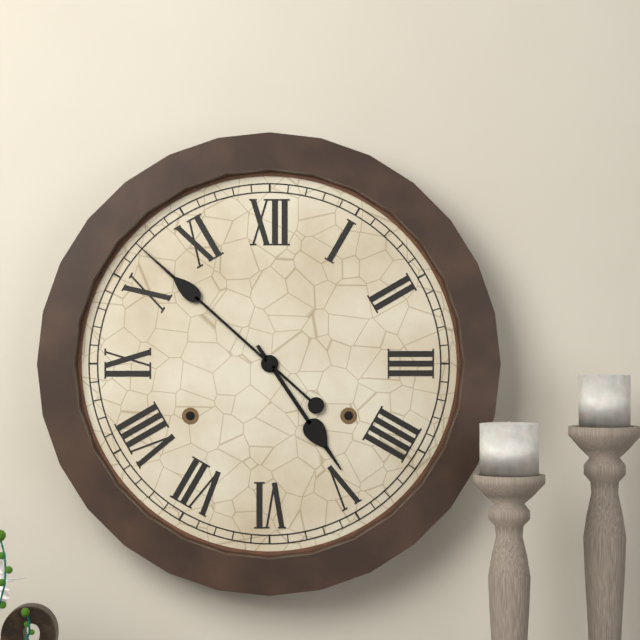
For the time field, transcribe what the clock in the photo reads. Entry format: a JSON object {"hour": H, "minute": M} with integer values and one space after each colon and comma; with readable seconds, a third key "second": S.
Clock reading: {"hour": 4, "minute": 52}
